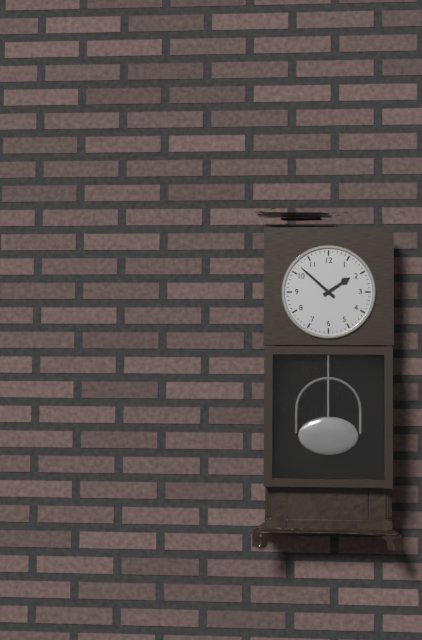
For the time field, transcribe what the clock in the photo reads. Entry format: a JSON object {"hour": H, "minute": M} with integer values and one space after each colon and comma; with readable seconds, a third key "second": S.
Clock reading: {"hour": 1, "minute": 52}
